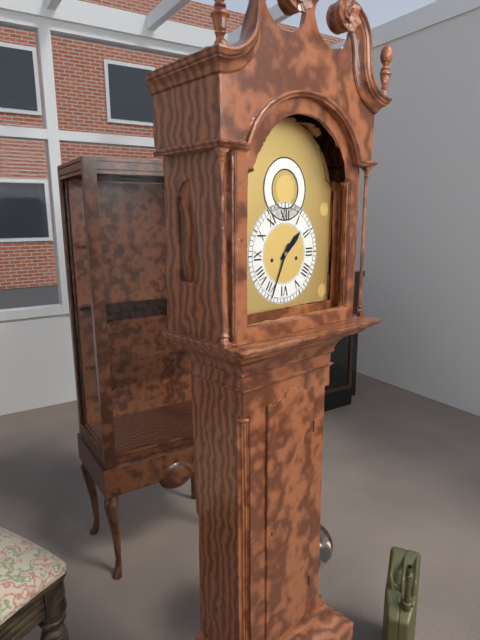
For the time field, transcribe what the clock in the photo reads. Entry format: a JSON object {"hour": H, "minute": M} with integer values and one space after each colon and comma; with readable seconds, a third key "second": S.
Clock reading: {"hour": 1, "minute": 34}
